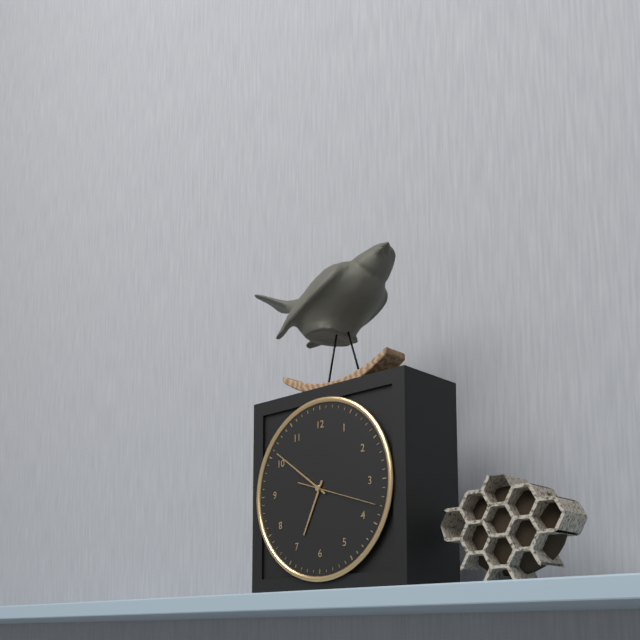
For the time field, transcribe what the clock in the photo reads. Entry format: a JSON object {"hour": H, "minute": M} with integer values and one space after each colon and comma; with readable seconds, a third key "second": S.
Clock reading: {"hour": 6, "minute": 51, "second": 18}
